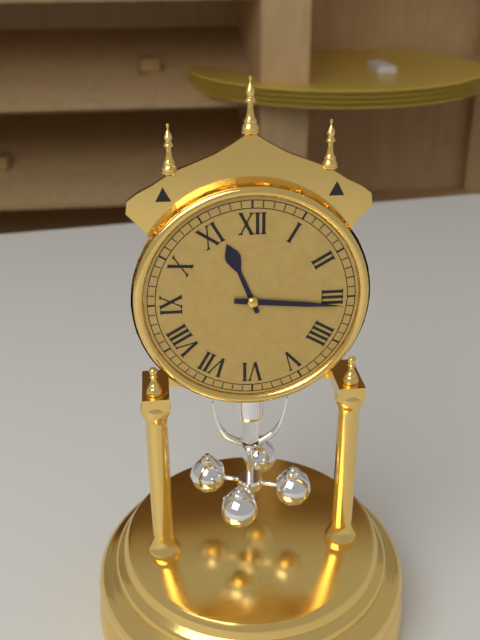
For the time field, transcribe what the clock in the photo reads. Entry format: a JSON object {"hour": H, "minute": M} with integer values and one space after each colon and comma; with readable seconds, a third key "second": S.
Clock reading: {"hour": 11, "minute": 16}
